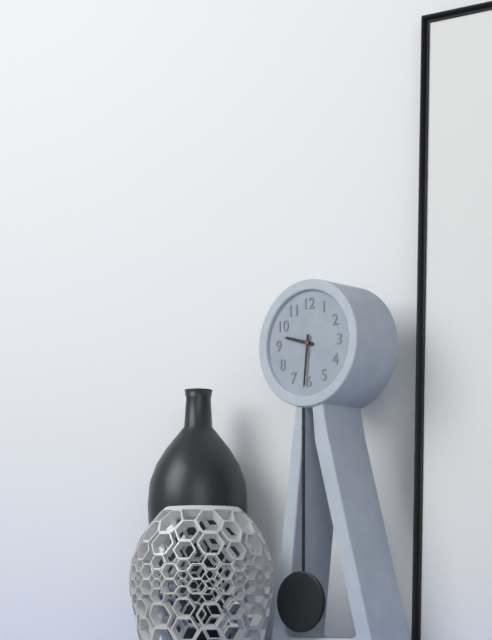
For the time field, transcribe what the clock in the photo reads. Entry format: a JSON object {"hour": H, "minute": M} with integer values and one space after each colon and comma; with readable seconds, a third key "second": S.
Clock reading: {"hour": 9, "minute": 31}
